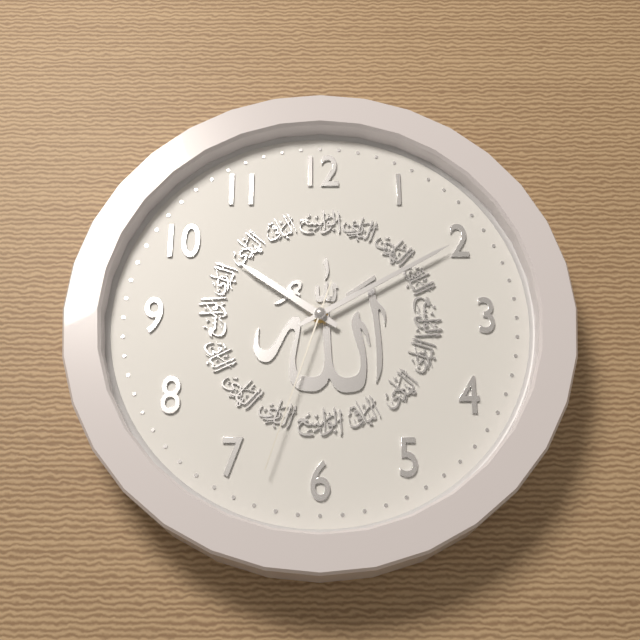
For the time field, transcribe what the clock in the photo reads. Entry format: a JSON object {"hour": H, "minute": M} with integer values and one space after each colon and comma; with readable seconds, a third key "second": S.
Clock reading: {"hour": 10, "minute": 10, "second": 33}
